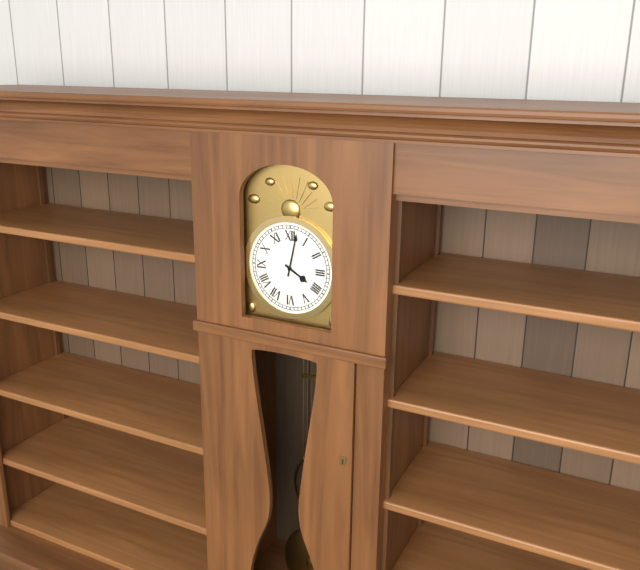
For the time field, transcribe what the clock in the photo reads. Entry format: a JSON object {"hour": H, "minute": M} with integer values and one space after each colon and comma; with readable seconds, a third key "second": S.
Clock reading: {"hour": 4, "minute": 2}
